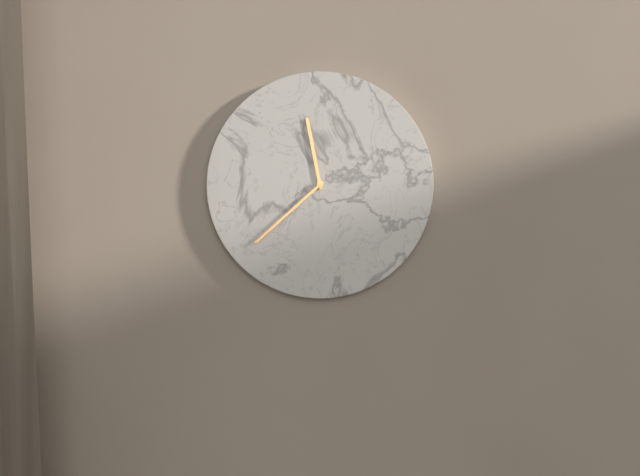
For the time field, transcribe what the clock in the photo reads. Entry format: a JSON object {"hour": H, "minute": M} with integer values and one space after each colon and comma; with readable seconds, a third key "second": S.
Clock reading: {"hour": 11, "minute": 38}
